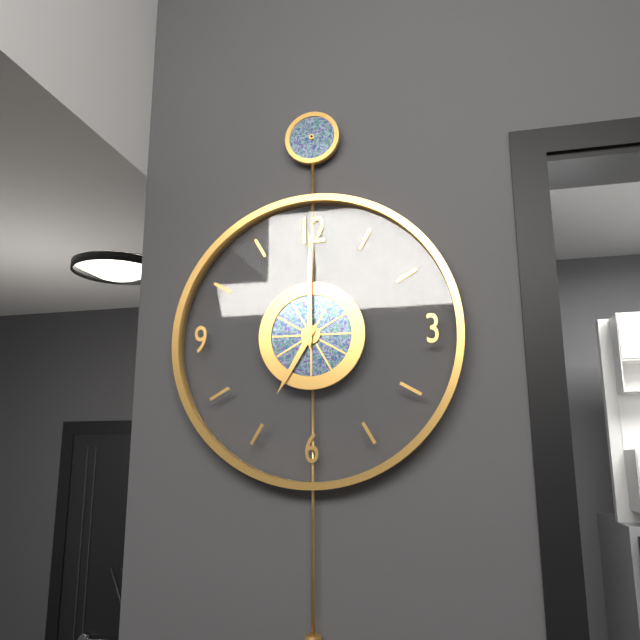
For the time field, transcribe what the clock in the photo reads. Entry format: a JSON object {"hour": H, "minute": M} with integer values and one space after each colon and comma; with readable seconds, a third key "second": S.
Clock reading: {"hour": 7, "minute": 0}
